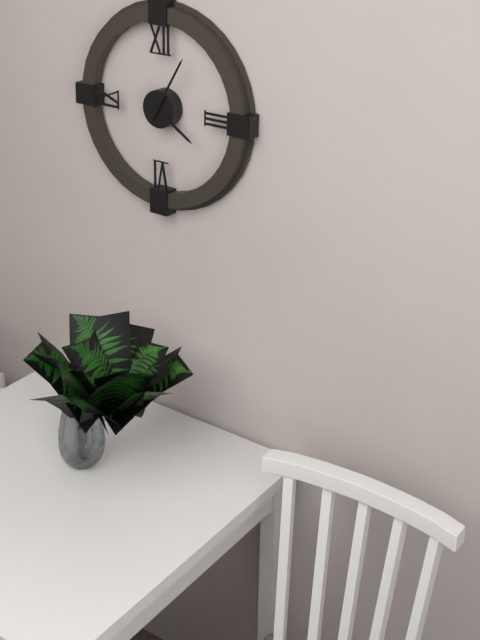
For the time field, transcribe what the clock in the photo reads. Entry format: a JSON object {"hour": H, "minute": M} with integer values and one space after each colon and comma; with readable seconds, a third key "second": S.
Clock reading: {"hour": 4, "minute": 5}
